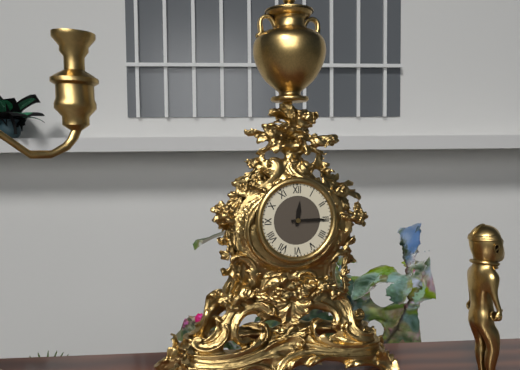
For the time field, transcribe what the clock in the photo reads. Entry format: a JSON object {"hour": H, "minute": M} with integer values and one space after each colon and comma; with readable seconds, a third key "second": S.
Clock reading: {"hour": 12, "minute": 15}
